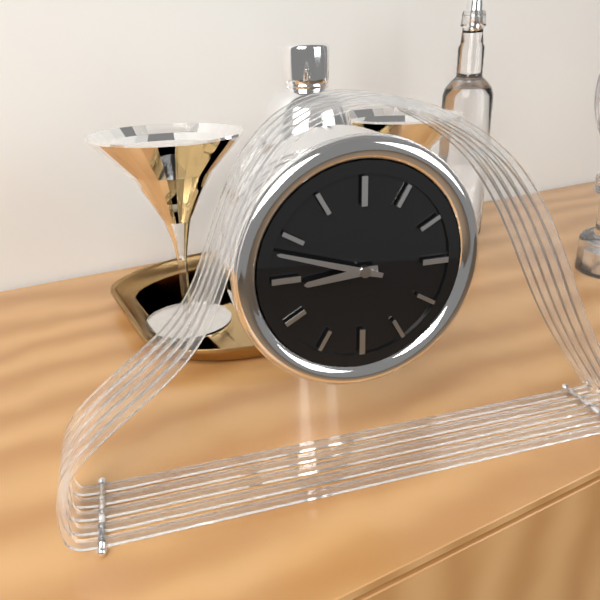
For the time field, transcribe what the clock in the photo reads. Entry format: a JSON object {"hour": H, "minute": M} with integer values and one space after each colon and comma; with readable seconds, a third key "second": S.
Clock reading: {"hour": 8, "minute": 48}
